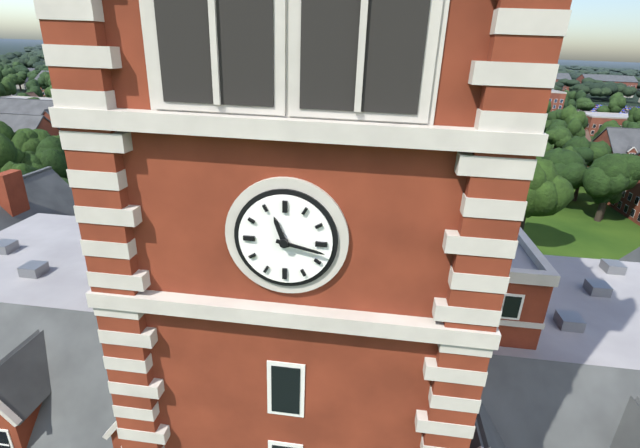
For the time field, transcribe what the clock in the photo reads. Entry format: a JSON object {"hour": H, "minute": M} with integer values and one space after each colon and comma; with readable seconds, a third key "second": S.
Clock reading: {"hour": 11, "minute": 17}
